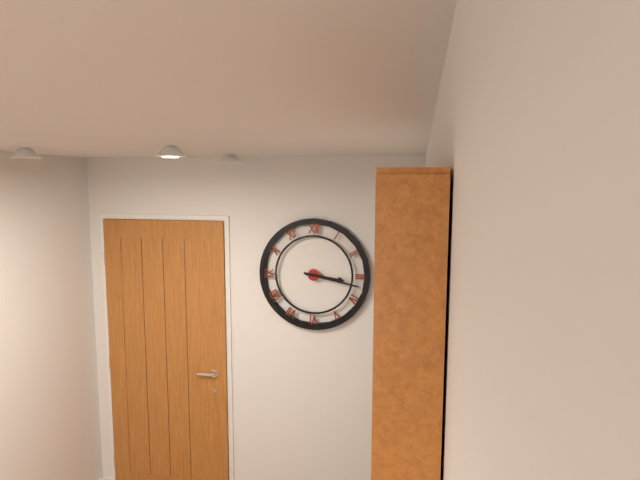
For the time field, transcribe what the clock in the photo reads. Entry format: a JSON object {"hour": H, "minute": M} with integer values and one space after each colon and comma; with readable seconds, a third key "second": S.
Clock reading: {"hour": 3, "minute": 17}
